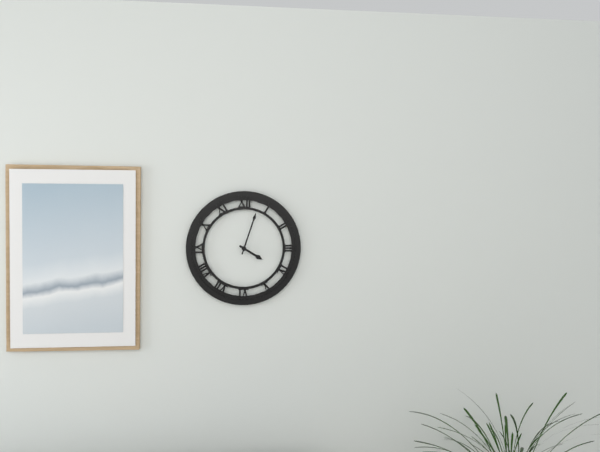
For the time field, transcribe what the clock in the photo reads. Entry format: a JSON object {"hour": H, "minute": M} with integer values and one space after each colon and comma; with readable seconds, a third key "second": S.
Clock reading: {"hour": 4, "minute": 3}
